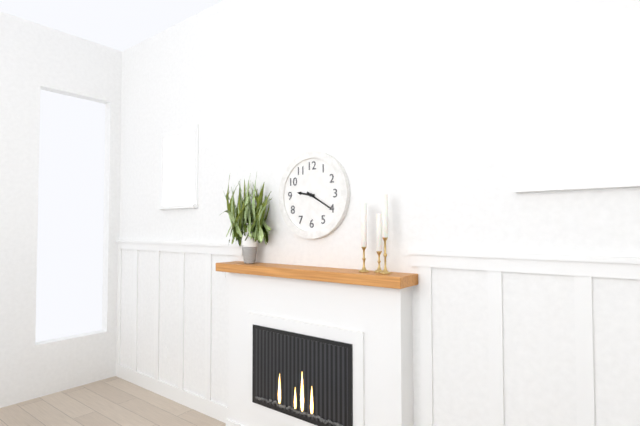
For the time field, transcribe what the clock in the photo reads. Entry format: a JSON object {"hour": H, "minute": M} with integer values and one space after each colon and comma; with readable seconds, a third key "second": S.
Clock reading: {"hour": 9, "minute": 20}
